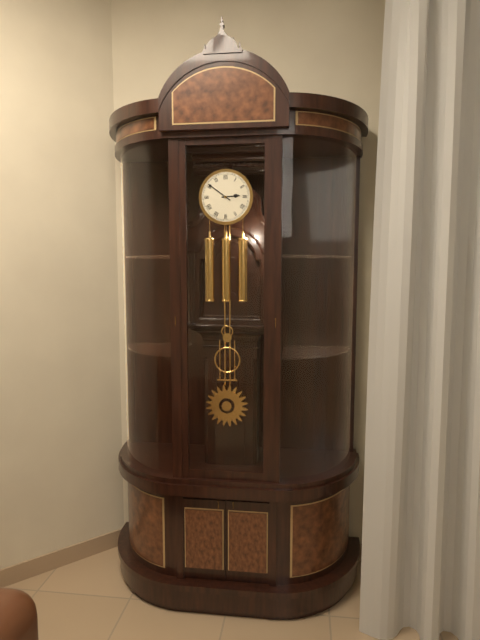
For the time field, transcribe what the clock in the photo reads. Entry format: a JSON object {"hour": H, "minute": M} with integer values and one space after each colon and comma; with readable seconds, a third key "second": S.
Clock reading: {"hour": 2, "minute": 51}
